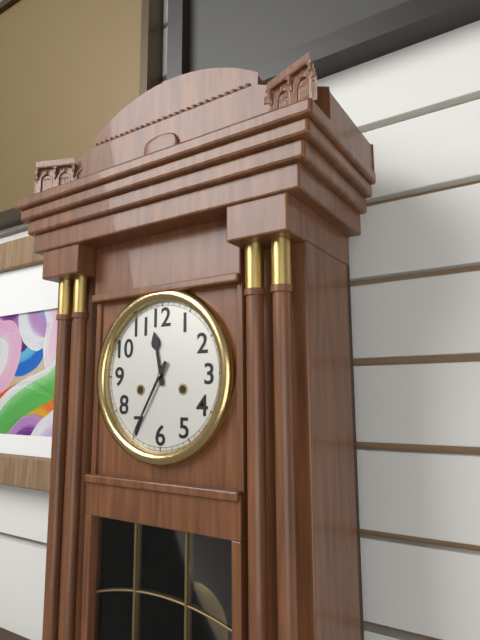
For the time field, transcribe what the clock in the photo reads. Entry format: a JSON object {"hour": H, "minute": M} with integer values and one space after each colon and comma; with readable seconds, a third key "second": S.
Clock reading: {"hour": 11, "minute": 35}
